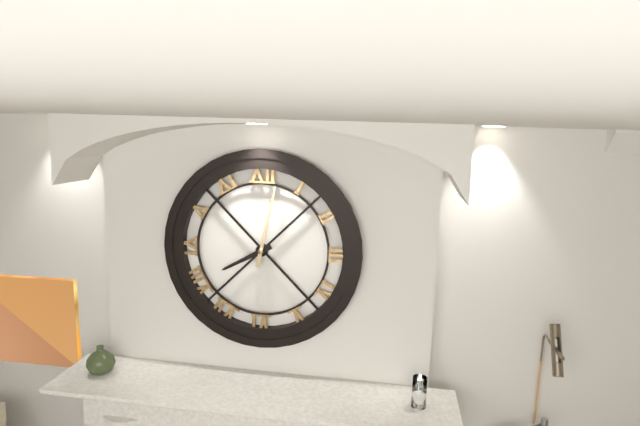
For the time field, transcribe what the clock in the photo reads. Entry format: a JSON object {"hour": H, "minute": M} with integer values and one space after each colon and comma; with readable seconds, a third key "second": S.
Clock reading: {"hour": 8, "minute": 2}
